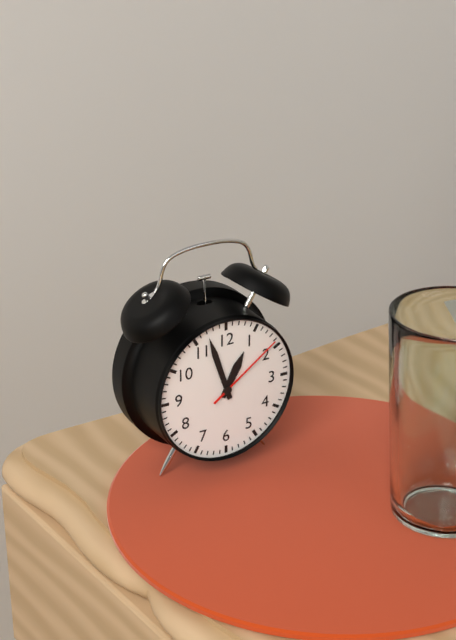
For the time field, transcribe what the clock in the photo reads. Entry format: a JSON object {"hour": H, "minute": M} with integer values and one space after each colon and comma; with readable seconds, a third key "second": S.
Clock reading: {"hour": 12, "minute": 57, "second": 9}
